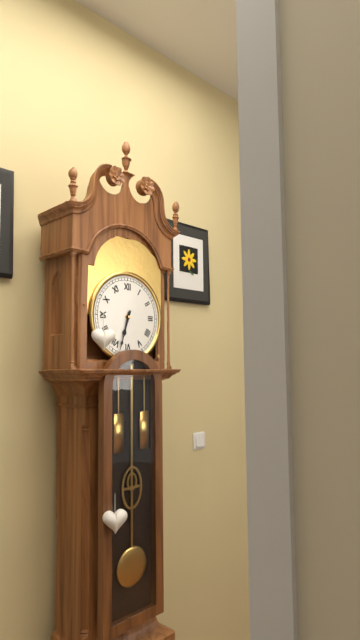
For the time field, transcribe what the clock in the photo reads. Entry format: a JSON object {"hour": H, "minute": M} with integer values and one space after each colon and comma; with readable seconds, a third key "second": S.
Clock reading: {"hour": 6, "minute": 33}
